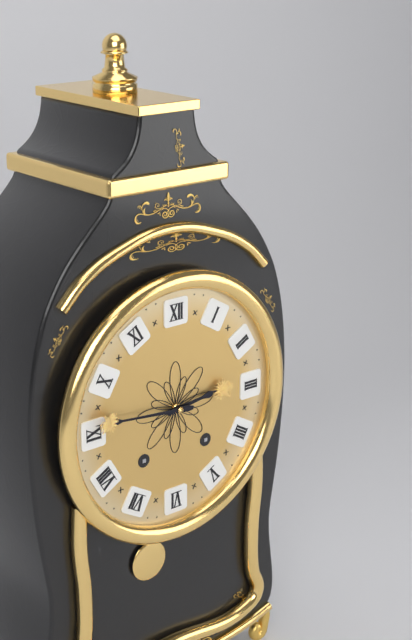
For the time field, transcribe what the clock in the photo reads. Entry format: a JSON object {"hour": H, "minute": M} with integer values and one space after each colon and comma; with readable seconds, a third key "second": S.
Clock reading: {"hour": 2, "minute": 46}
